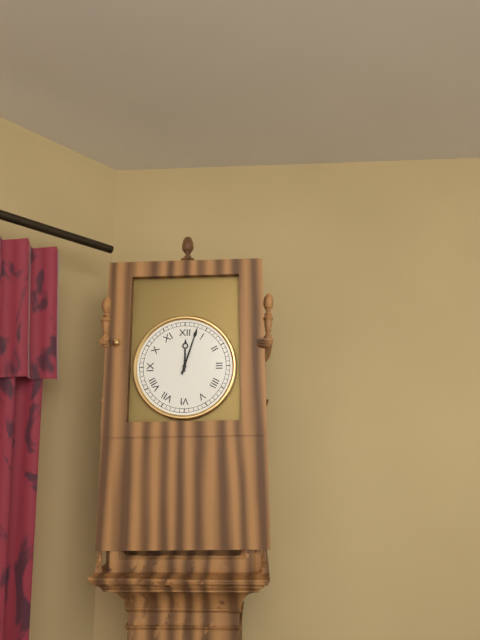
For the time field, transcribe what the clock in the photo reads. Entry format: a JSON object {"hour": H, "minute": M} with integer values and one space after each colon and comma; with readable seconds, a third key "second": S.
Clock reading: {"hour": 12, "minute": 3}
